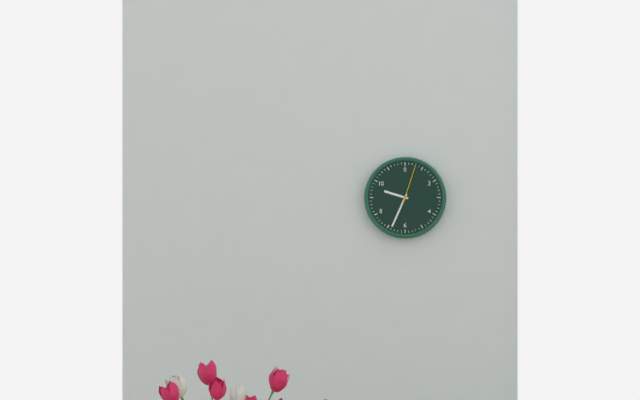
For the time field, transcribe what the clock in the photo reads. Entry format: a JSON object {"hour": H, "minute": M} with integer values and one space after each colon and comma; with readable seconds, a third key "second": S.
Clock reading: {"hour": 9, "minute": 34}
